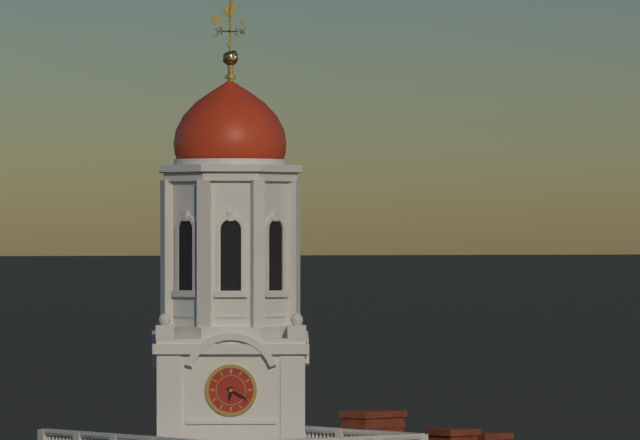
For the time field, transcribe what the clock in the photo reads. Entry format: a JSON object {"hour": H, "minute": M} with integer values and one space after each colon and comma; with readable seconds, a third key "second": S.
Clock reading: {"hour": 6, "minute": 20}
